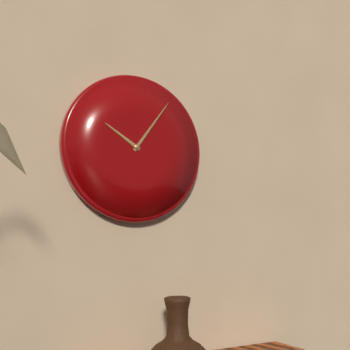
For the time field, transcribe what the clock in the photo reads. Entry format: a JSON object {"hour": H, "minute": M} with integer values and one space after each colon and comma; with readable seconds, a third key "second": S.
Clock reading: {"hour": 10, "minute": 6}
